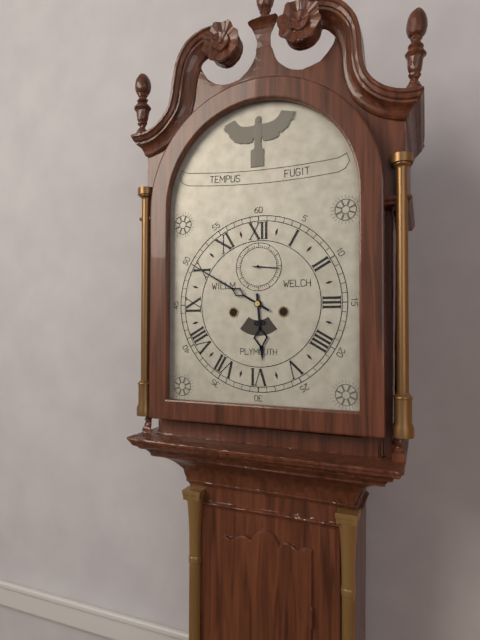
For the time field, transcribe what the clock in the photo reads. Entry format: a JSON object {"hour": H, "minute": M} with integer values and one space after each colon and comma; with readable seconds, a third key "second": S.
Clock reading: {"hour": 5, "minute": 50}
